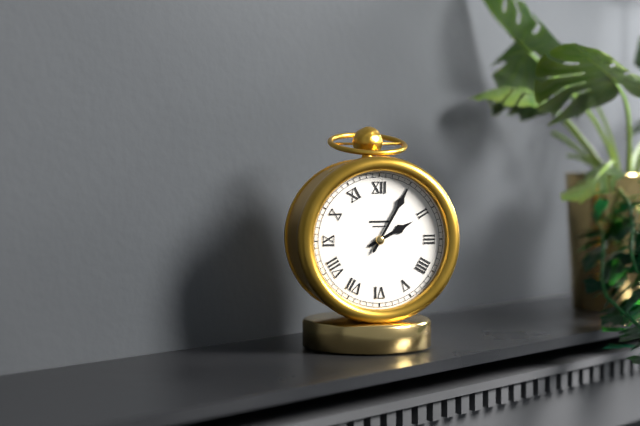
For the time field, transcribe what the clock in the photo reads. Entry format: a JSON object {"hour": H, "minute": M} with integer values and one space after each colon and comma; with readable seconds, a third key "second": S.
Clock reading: {"hour": 2, "minute": 5}
